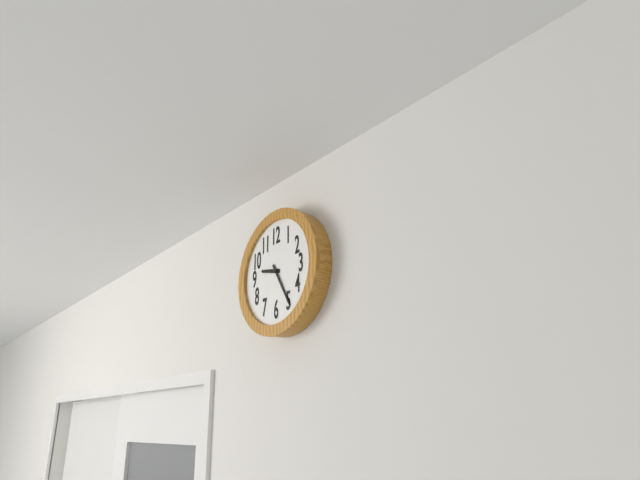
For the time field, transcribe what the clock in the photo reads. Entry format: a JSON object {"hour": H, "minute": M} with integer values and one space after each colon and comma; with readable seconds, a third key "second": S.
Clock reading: {"hour": 9, "minute": 25}
